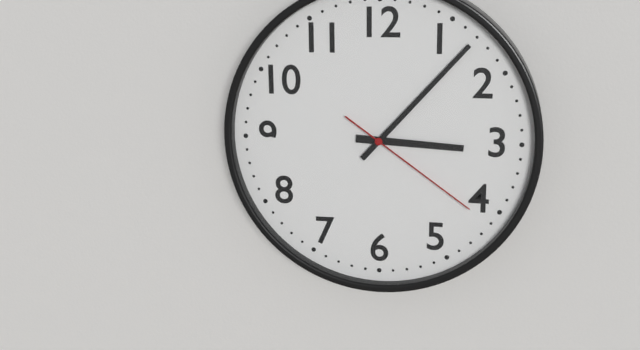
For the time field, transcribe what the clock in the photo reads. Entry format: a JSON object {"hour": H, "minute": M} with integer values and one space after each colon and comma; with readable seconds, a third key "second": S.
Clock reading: {"hour": 3, "minute": 7, "second": 21}
